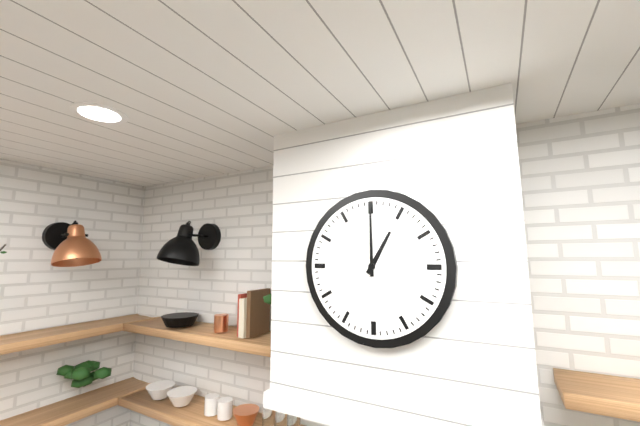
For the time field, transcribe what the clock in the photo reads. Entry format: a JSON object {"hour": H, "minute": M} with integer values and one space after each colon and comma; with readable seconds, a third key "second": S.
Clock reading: {"hour": 1, "minute": 0}
